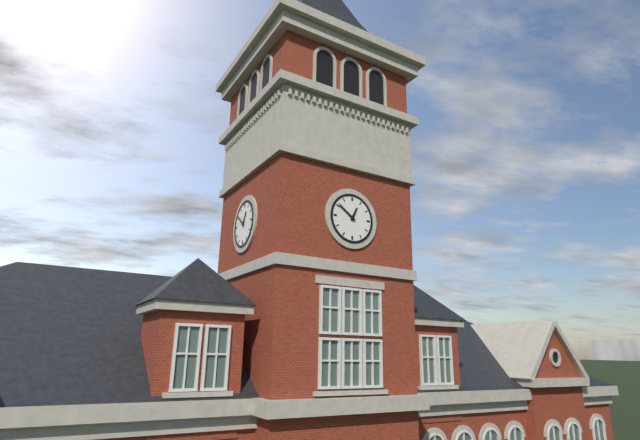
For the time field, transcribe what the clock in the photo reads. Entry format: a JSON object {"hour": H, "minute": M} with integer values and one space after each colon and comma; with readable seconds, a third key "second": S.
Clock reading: {"hour": 12, "minute": 51}
